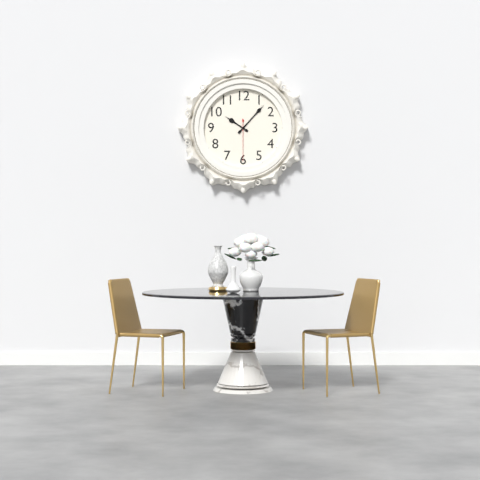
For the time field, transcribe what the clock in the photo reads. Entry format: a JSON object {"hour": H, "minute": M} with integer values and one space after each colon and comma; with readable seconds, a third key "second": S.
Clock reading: {"hour": 10, "minute": 7}
